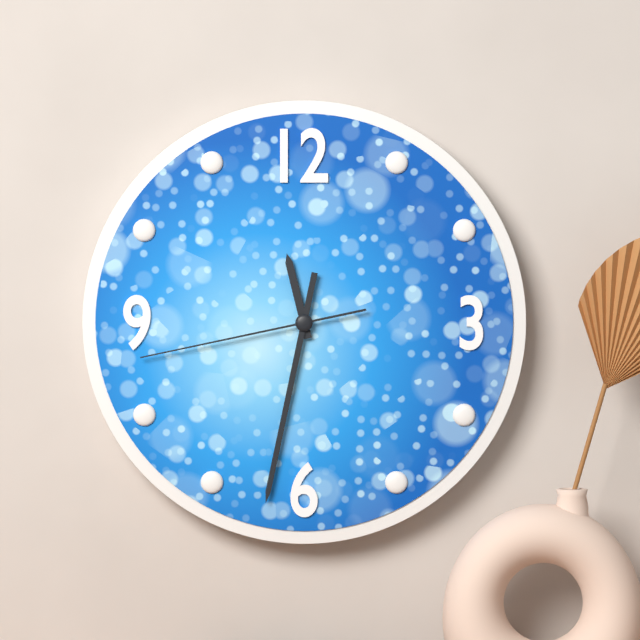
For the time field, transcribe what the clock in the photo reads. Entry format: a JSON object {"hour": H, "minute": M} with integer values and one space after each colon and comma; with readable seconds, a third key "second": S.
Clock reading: {"hour": 11, "minute": 32, "second": 43}
